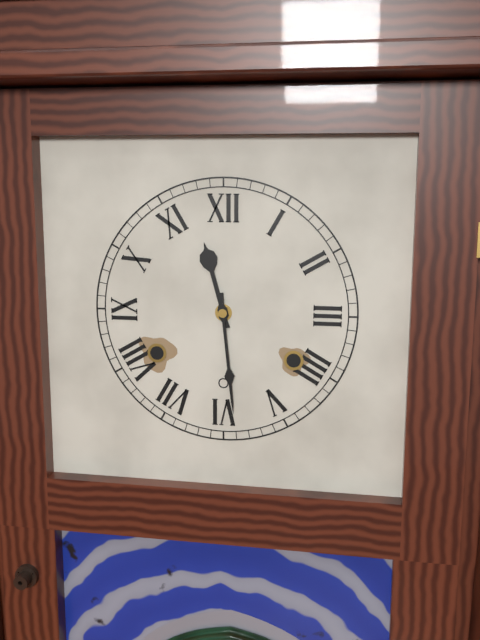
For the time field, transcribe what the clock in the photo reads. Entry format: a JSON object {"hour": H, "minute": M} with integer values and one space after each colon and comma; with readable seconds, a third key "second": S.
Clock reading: {"hour": 11, "minute": 29}
